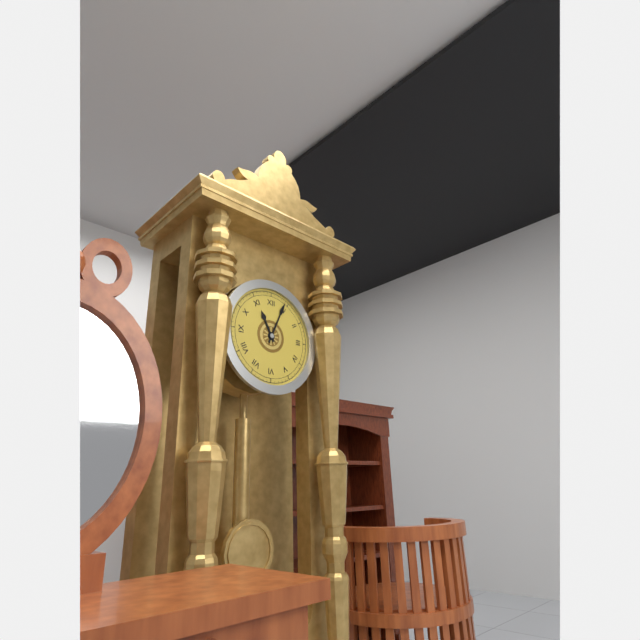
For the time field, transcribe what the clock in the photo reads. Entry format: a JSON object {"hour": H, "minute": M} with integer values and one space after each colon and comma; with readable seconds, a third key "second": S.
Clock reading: {"hour": 11, "minute": 4}
